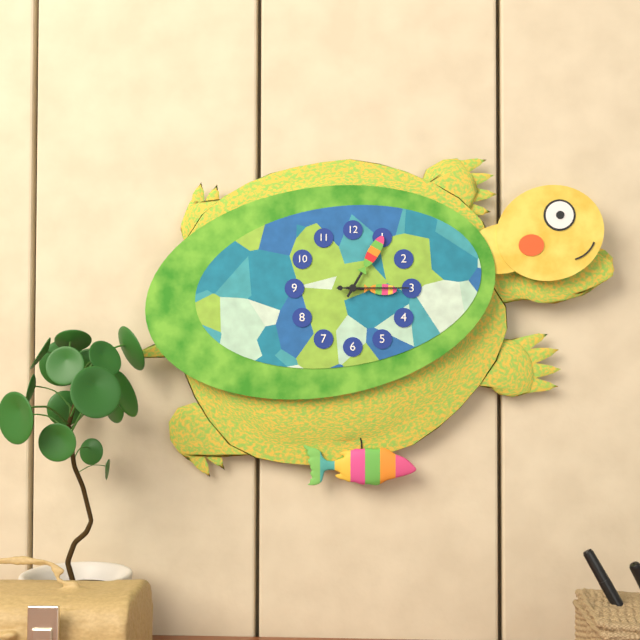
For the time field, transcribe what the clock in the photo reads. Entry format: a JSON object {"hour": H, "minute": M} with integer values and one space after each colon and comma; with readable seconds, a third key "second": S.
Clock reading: {"hour": 3, "minute": 5, "second": 15}
